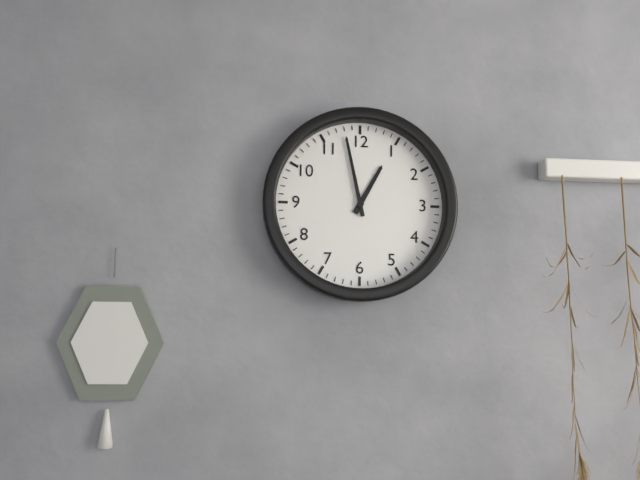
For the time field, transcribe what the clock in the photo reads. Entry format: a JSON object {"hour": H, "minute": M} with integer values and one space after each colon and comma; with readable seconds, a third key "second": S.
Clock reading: {"hour": 12, "minute": 58}
